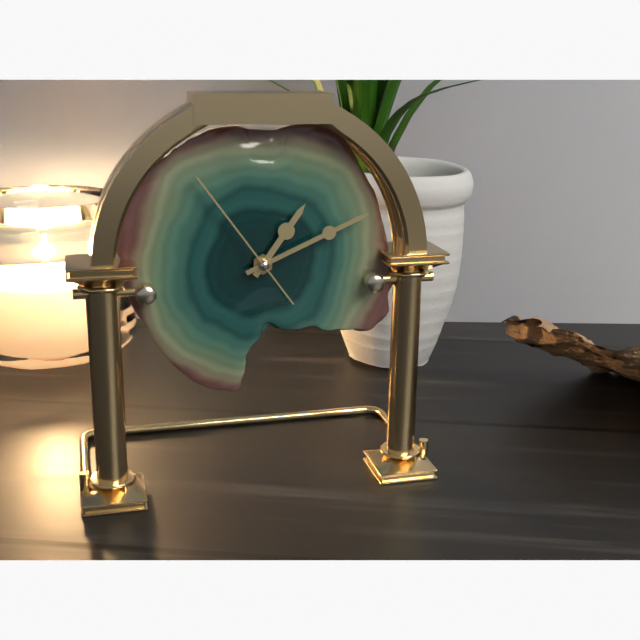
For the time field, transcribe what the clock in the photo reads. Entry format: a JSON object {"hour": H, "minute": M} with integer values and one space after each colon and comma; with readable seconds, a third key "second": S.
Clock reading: {"hour": 1, "minute": 11, "second": 54}
